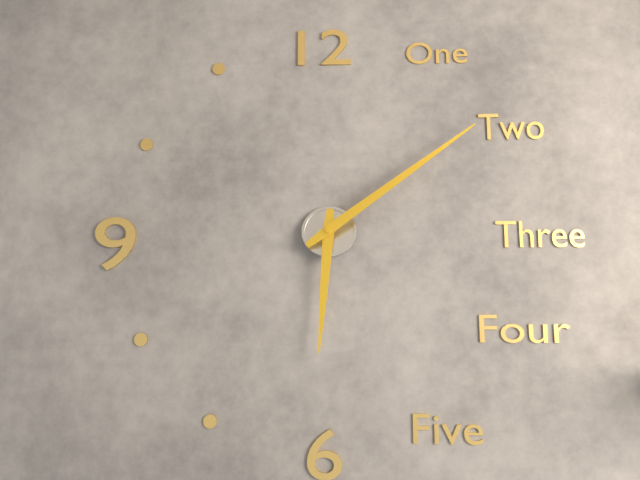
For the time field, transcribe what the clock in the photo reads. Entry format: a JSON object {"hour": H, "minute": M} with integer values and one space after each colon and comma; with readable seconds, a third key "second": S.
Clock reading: {"hour": 6, "minute": 9}
